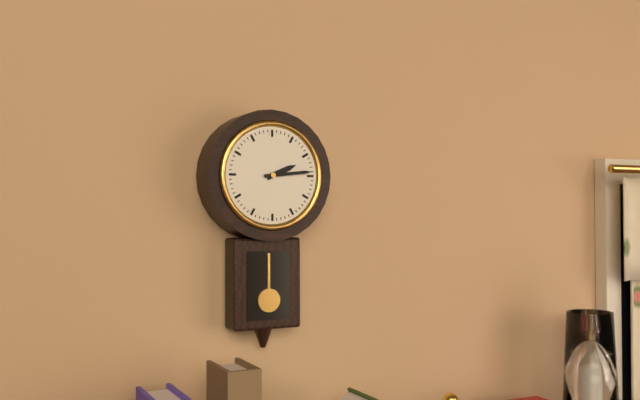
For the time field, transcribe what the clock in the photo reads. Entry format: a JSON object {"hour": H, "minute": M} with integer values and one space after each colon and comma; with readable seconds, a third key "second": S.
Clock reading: {"hour": 2, "minute": 14}
